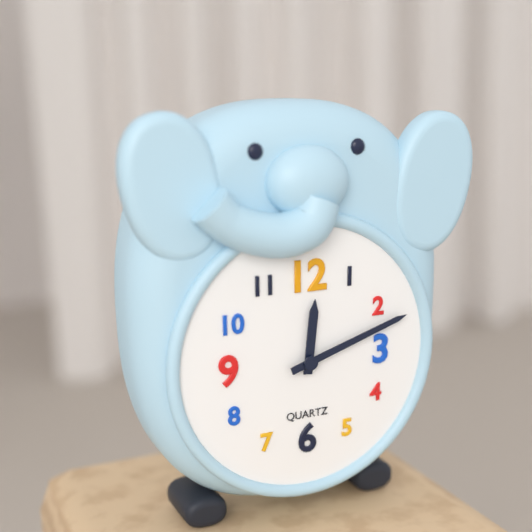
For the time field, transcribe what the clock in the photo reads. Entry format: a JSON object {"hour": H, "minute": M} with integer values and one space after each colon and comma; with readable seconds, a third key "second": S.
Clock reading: {"hour": 12, "minute": 12}
